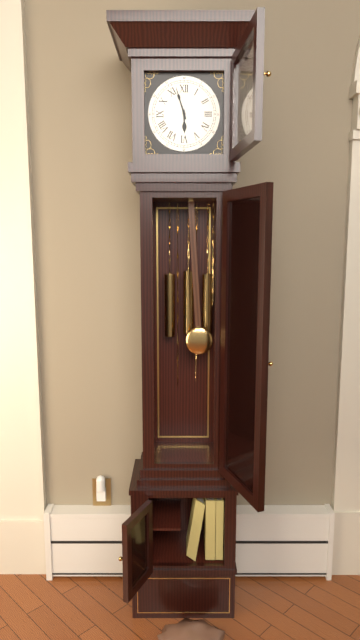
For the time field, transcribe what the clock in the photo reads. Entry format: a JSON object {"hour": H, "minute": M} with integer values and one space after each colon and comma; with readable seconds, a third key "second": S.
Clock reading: {"hour": 5, "minute": 57}
